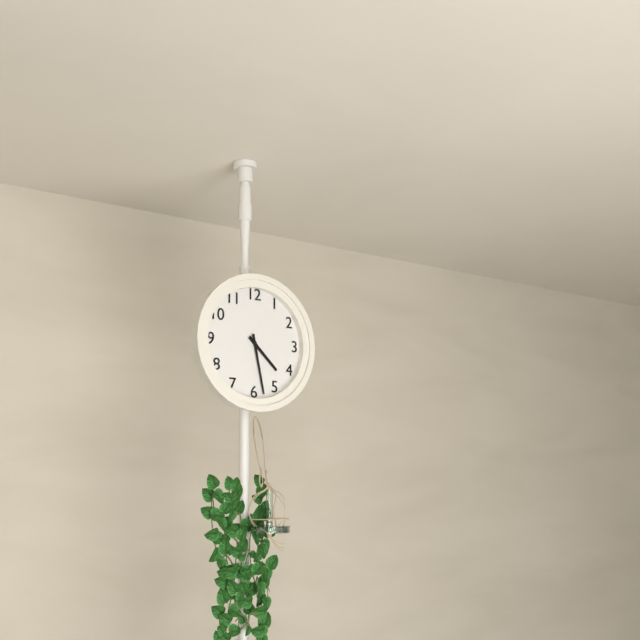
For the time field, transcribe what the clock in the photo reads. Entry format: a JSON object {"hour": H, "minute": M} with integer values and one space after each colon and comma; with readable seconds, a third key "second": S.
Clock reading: {"hour": 4, "minute": 28}
